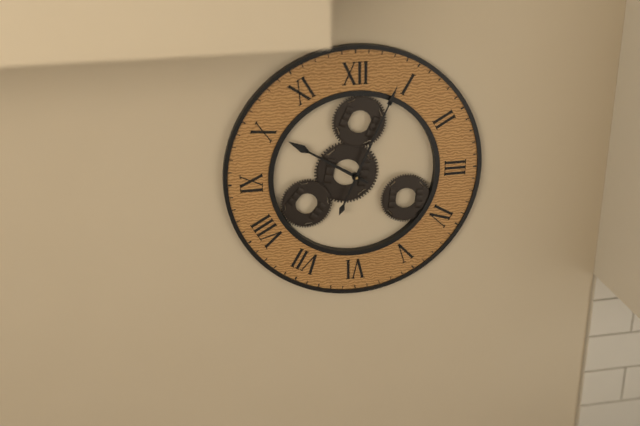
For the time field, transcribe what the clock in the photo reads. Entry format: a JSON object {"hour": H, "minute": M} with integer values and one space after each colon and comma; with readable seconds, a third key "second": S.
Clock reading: {"hour": 10, "minute": 4}
